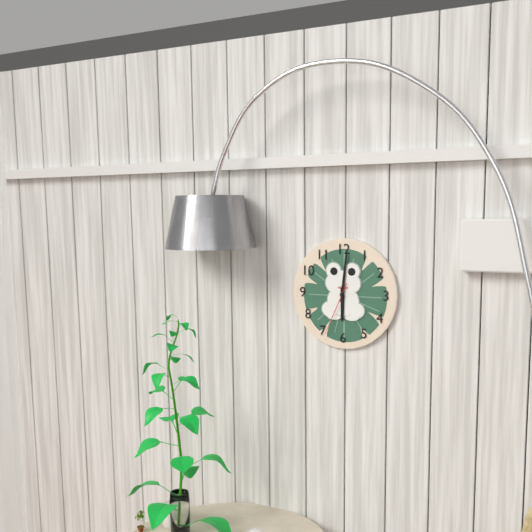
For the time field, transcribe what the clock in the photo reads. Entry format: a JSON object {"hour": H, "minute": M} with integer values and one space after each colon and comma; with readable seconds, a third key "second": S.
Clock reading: {"hour": 6, "minute": 1, "second": 34}
